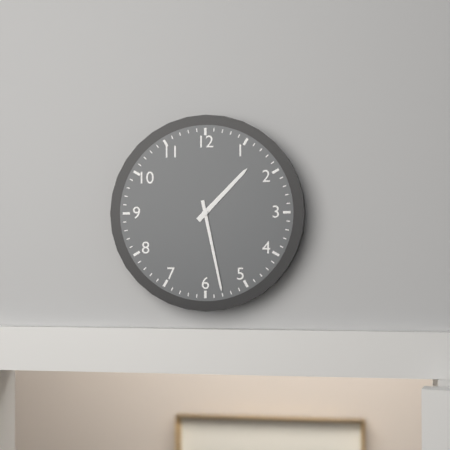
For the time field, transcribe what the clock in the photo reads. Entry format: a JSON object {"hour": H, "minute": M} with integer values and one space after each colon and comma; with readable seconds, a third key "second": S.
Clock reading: {"hour": 1, "minute": 28}
